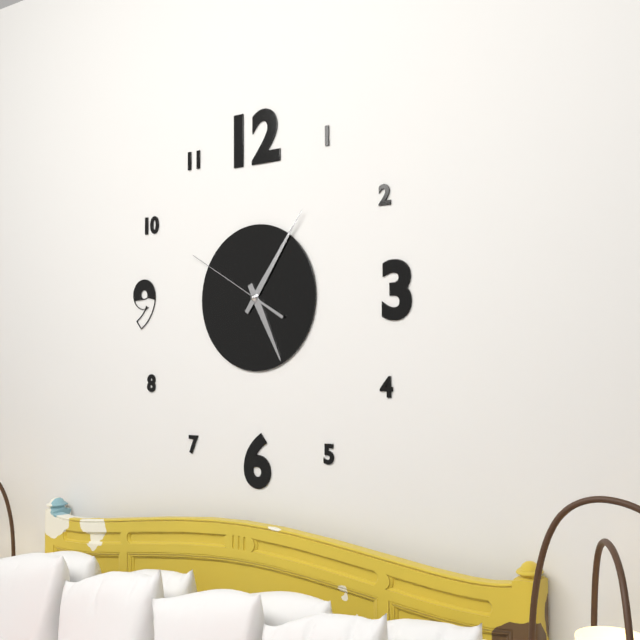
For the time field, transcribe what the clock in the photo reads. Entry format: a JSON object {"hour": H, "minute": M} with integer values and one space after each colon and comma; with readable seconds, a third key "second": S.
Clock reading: {"hour": 5, "minute": 6, "second": 50}
